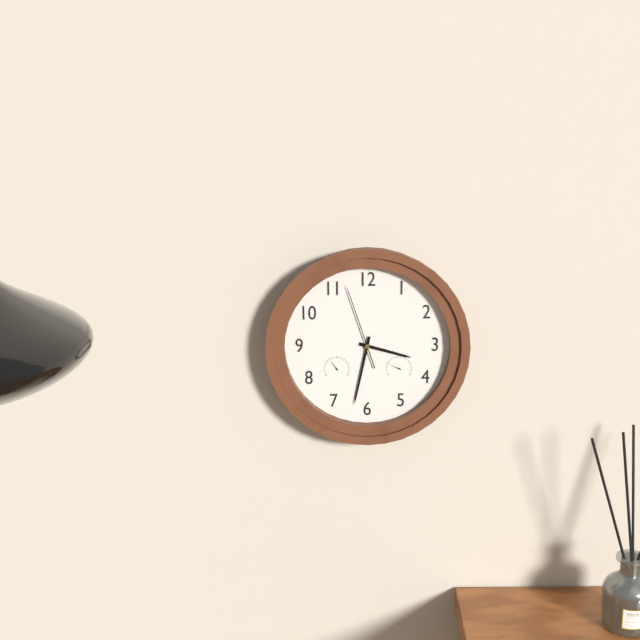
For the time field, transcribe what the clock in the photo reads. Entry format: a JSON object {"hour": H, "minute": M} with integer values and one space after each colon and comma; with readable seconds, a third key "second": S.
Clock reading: {"hour": 3, "minute": 32, "second": 57}
